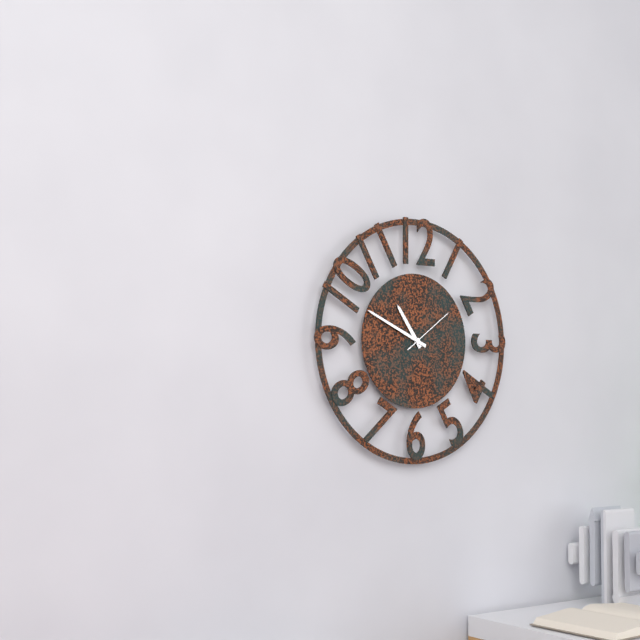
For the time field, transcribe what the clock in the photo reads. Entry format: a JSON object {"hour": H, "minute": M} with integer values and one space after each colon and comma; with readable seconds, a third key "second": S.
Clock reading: {"hour": 10, "minute": 49, "second": 9}
